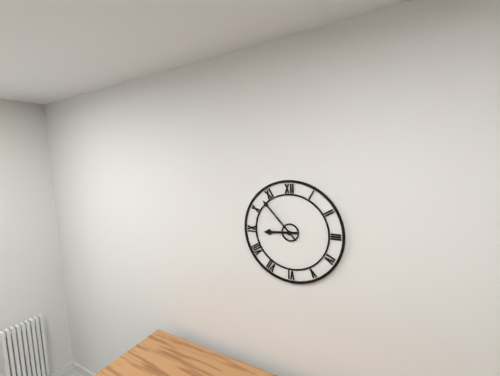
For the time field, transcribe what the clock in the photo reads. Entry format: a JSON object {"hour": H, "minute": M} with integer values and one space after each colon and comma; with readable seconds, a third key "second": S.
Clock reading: {"hour": 8, "minute": 53}
